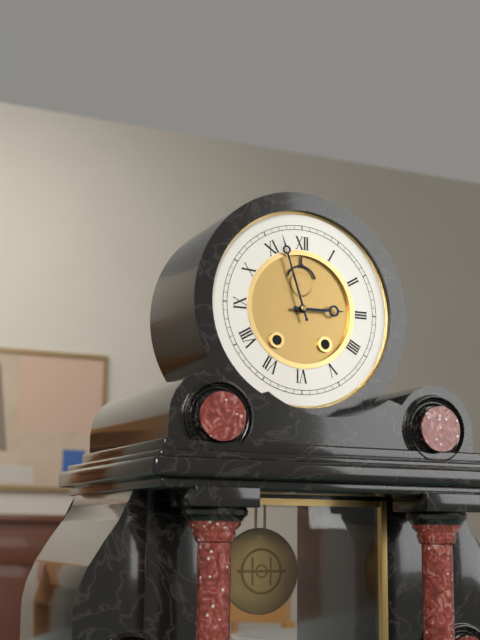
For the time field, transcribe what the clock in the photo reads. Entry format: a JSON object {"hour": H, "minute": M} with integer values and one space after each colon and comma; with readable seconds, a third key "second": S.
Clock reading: {"hour": 2, "minute": 57}
